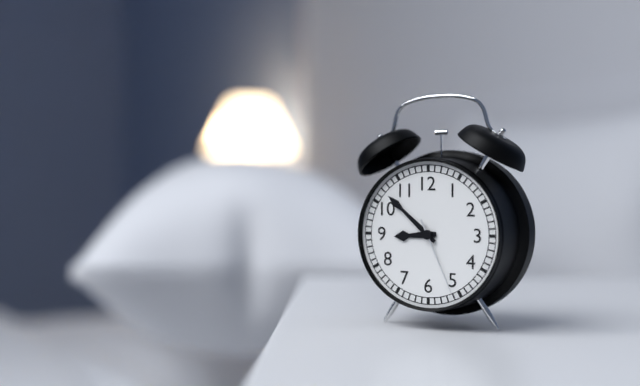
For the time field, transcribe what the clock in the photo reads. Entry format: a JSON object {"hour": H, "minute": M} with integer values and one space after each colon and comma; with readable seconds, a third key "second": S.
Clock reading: {"hour": 8, "minute": 52, "second": 26}
